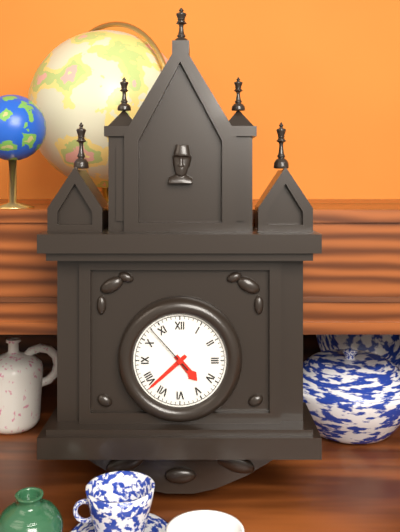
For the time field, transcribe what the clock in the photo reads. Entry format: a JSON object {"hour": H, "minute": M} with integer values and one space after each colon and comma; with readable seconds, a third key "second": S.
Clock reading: {"hour": 4, "minute": 38}
